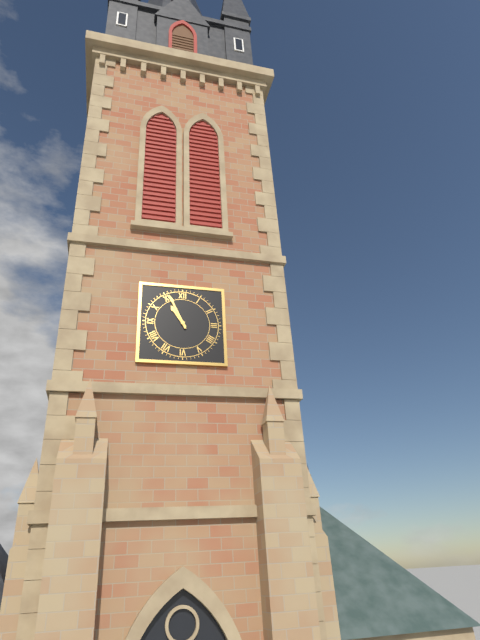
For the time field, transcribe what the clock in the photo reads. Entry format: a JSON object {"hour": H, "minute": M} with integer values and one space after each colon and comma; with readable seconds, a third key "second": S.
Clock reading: {"hour": 10, "minute": 56}
